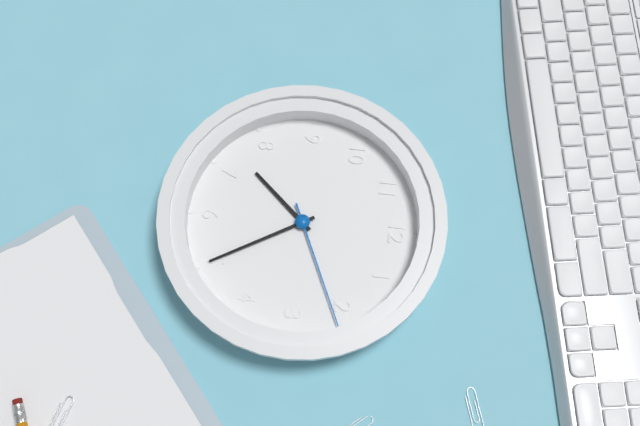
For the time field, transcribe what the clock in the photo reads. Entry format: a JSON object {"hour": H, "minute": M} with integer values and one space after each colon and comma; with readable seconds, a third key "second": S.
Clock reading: {"hour": 7, "minute": 25, "second": 11}
